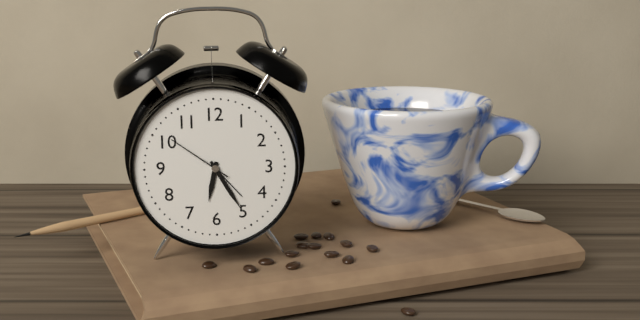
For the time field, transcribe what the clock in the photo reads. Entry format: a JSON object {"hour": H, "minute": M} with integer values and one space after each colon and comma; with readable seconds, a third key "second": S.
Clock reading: {"hour": 6, "minute": 25, "second": 51}
